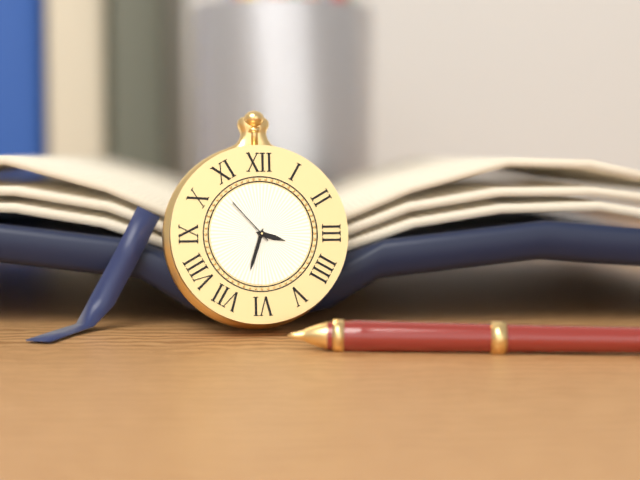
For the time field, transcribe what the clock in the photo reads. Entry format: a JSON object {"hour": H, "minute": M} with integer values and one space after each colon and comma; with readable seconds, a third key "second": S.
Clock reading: {"hour": 3, "minute": 33, "second": 53}
